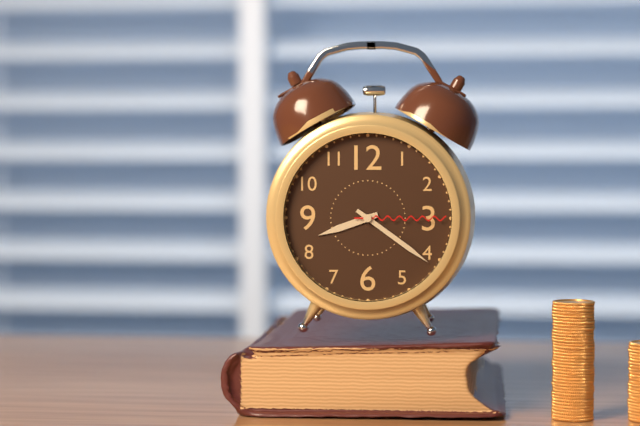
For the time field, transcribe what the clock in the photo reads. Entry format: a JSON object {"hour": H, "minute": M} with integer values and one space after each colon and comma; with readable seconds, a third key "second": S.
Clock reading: {"hour": 8, "minute": 21, "second": 15}
